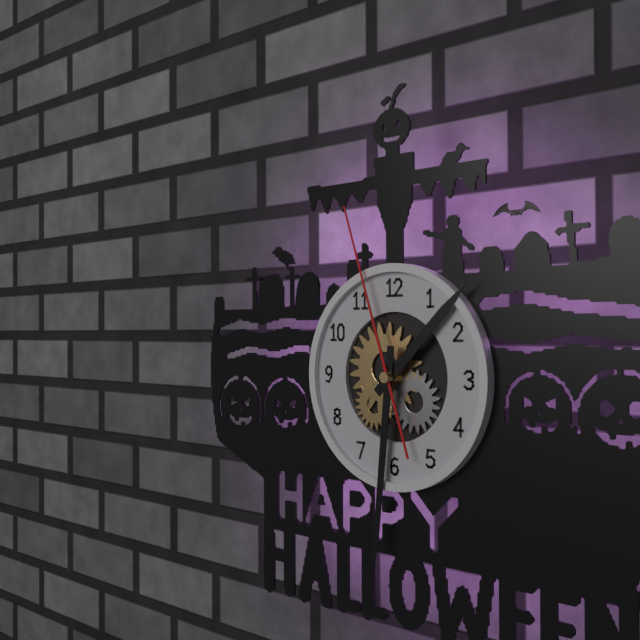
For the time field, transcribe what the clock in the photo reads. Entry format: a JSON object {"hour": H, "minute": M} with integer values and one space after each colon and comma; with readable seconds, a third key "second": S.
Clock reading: {"hour": 1, "minute": 31, "second": 57}
